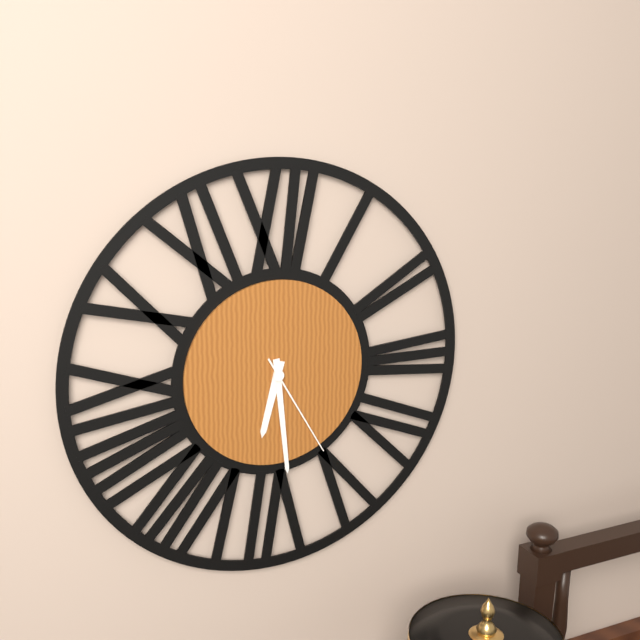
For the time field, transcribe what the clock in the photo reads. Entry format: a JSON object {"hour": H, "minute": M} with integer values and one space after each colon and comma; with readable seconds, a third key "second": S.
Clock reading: {"hour": 6, "minute": 29, "second": 25}
